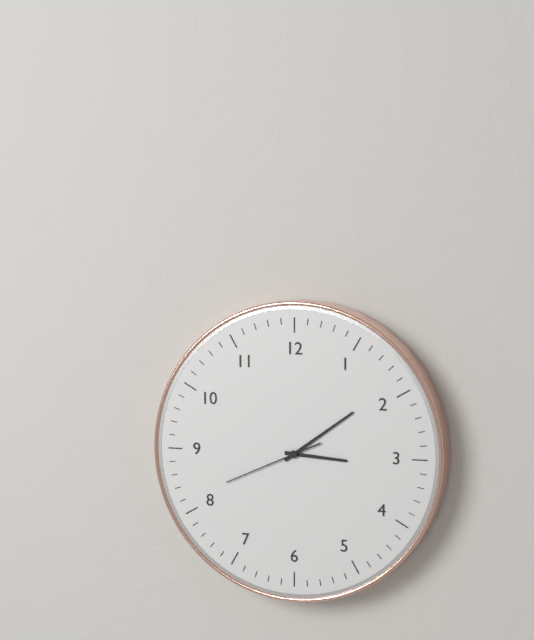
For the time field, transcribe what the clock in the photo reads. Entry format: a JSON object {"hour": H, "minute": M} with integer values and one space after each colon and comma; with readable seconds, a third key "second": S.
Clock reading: {"hour": 3, "minute": 9, "second": 41}
